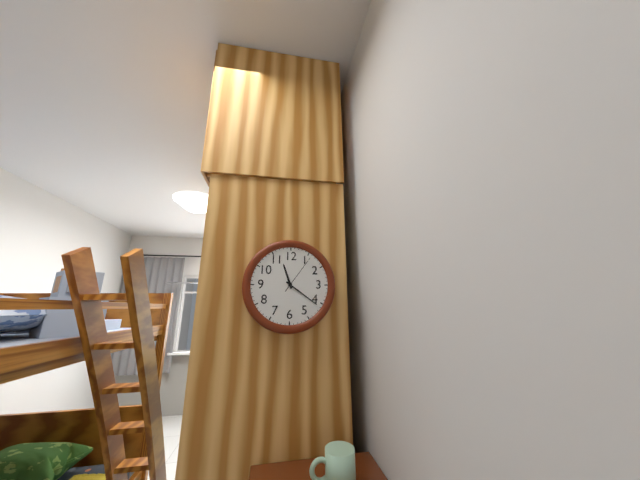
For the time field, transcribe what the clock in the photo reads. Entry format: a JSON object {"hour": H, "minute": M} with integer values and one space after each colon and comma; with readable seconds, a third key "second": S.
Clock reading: {"hour": 11, "minute": 21}
